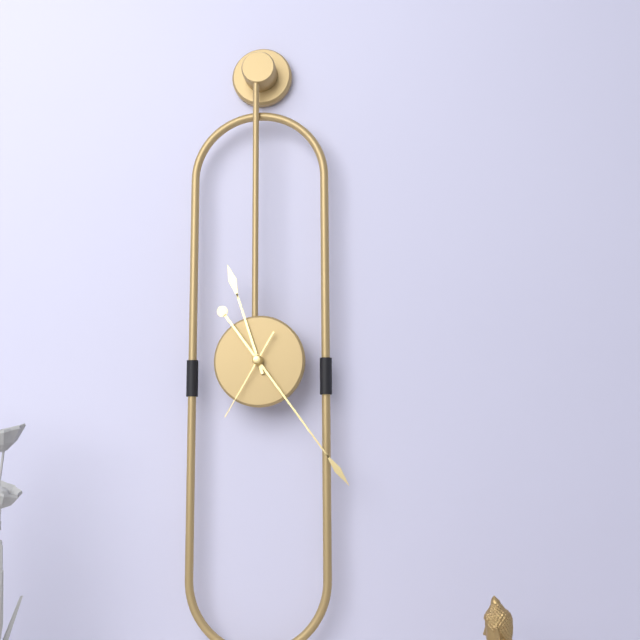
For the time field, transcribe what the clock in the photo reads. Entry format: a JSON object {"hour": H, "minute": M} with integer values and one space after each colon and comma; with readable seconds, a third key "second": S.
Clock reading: {"hour": 11, "minute": 24, "second": 35}
